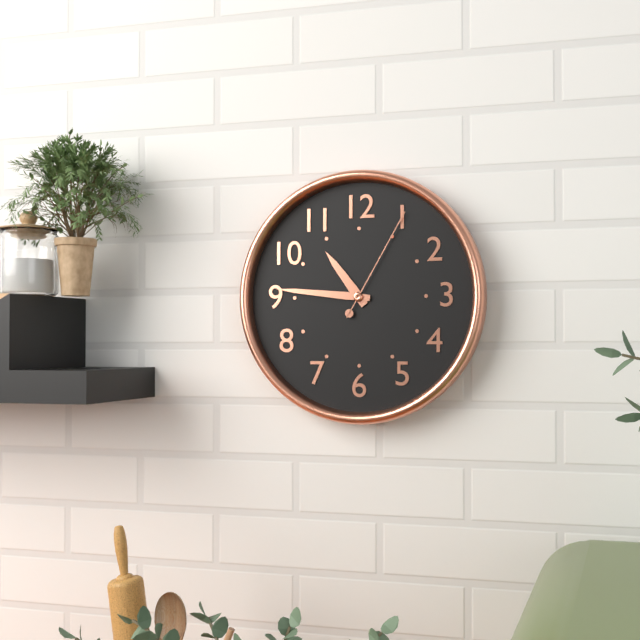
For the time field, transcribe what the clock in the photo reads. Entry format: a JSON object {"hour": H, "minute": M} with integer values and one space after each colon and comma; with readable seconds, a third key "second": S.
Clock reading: {"hour": 10, "minute": 46, "second": 5}
